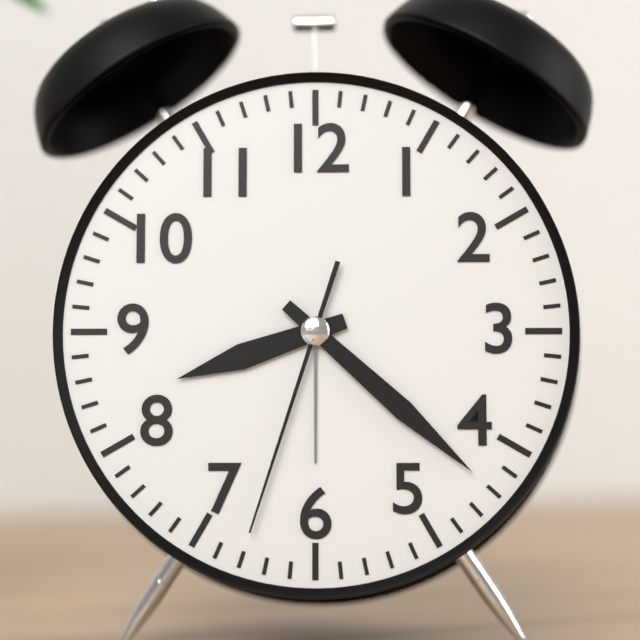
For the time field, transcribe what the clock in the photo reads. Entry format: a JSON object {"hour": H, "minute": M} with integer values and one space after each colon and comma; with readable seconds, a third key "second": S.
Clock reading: {"hour": 8, "minute": 22, "second": 33}
